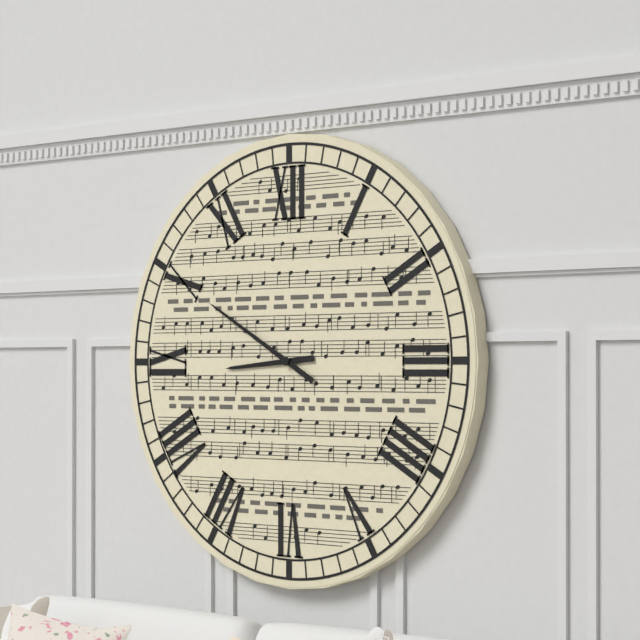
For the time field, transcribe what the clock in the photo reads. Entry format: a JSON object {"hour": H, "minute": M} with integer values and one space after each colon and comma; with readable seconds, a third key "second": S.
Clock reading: {"hour": 8, "minute": 50}
